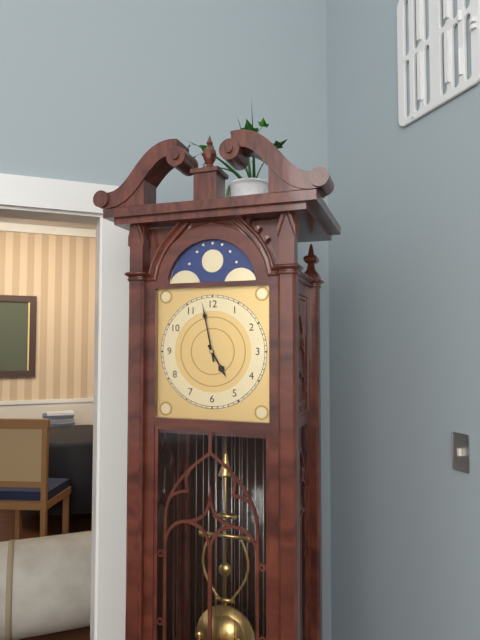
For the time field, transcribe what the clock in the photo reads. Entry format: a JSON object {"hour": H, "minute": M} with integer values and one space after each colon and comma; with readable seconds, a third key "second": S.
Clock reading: {"hour": 4, "minute": 58}
